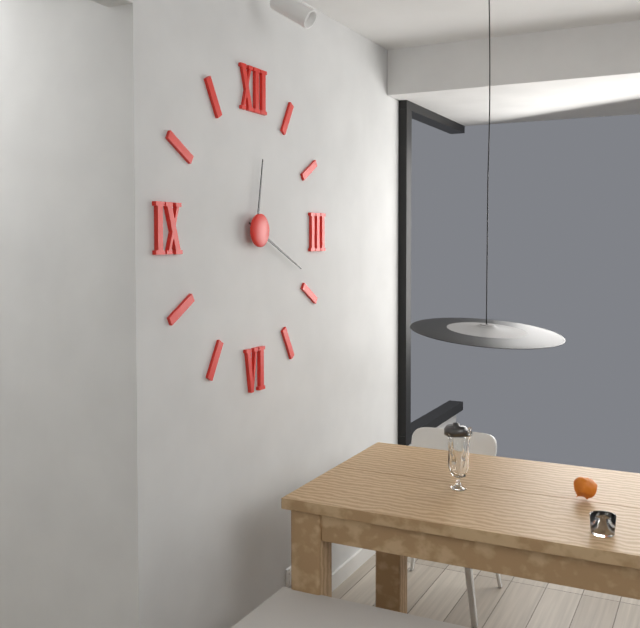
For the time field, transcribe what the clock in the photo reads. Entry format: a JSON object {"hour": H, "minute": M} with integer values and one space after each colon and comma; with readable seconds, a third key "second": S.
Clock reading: {"hour": 12, "minute": 19}
